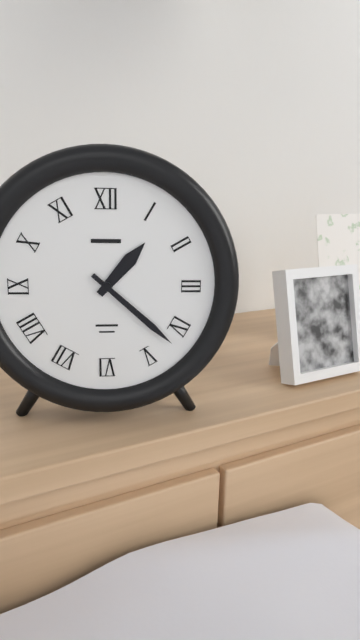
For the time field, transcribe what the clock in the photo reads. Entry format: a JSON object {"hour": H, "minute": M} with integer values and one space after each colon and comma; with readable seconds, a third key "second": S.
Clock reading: {"hour": 1, "minute": 22}
